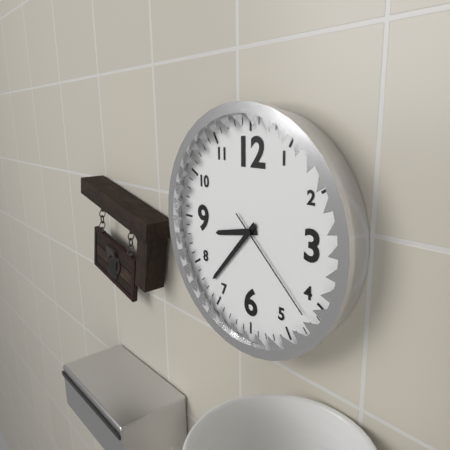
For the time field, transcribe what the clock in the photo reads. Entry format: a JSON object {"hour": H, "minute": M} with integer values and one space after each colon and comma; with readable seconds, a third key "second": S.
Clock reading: {"hour": 8, "minute": 37, "second": 22}
